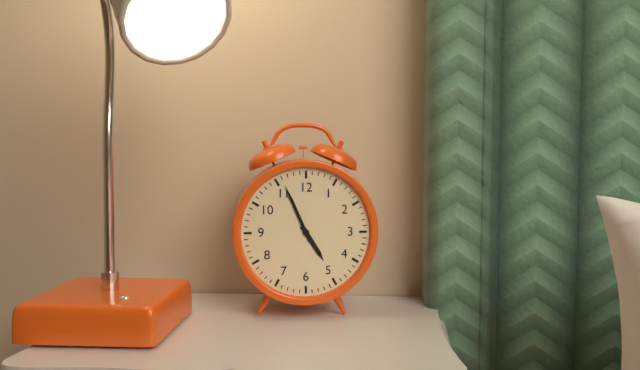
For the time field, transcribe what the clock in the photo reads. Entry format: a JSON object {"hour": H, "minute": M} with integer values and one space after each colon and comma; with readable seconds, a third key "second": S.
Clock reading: {"hour": 4, "minute": 56}
